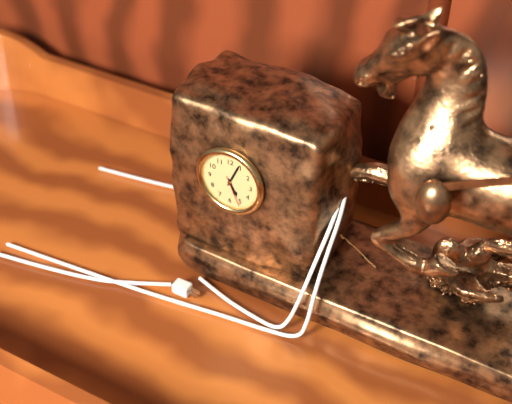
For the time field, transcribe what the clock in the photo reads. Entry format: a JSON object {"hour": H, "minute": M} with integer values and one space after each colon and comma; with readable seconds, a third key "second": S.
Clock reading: {"hour": 5, "minute": 4}
